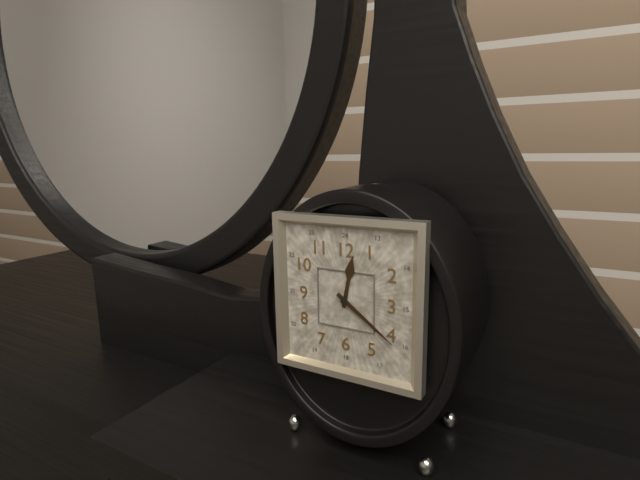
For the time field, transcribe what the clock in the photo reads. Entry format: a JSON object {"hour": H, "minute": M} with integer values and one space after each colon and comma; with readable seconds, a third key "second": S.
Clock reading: {"hour": 12, "minute": 21}
